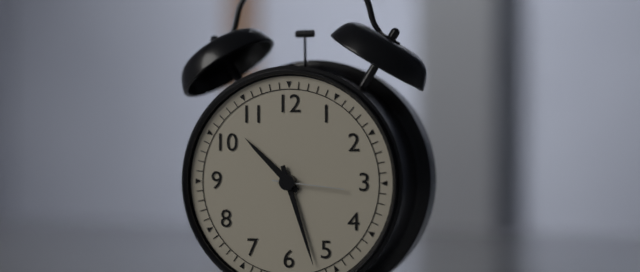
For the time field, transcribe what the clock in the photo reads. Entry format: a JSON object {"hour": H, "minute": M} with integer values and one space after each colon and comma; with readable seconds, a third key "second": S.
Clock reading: {"hour": 10, "minute": 27, "second": 16}
